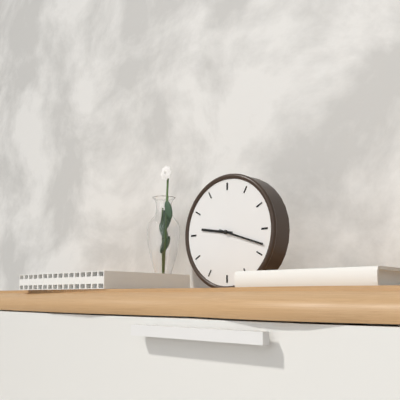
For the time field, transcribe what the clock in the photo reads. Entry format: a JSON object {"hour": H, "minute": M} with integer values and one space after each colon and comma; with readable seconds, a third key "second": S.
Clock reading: {"hour": 9, "minute": 18}
